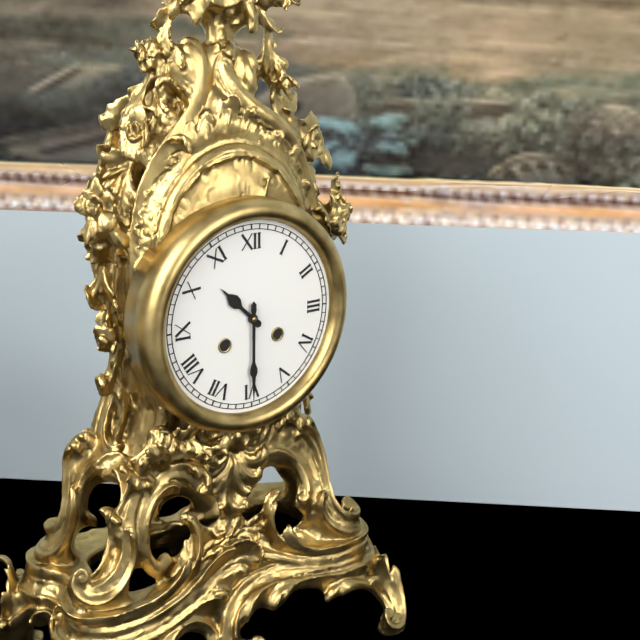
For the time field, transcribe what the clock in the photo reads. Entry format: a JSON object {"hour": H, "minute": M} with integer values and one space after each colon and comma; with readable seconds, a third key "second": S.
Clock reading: {"hour": 10, "minute": 30}
